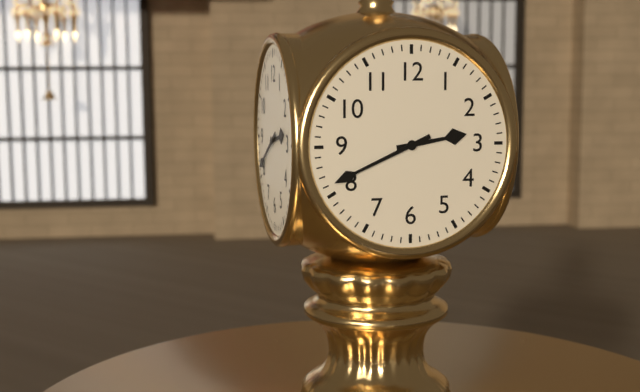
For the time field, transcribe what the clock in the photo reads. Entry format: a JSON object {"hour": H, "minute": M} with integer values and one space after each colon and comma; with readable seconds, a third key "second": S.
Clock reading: {"hour": 2, "minute": 41}
